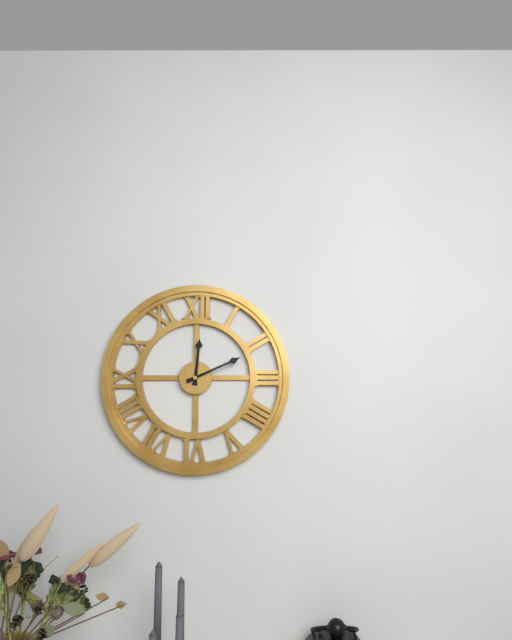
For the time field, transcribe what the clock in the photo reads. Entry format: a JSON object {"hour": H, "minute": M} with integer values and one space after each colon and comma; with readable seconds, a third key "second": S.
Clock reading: {"hour": 12, "minute": 11}
